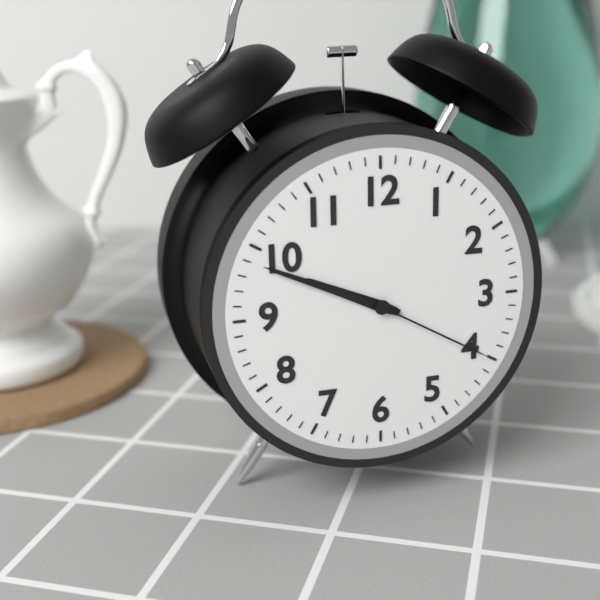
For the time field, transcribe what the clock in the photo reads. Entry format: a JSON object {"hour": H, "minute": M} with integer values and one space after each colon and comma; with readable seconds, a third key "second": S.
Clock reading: {"hour": 9, "minute": 49, "second": 20}
